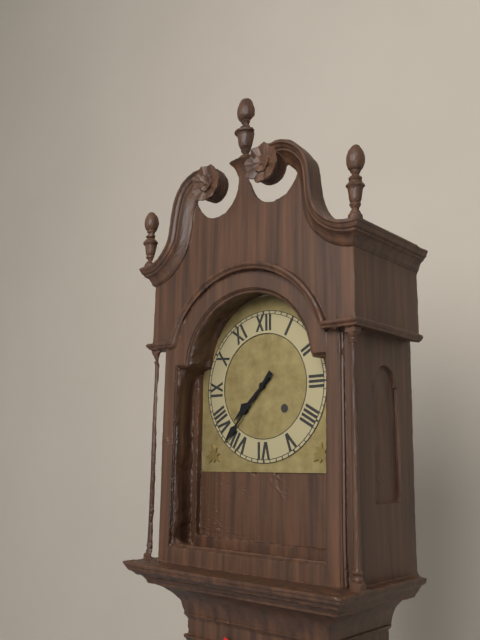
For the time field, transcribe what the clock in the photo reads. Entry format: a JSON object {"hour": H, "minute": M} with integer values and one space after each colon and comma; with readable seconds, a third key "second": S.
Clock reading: {"hour": 7, "minute": 37}
